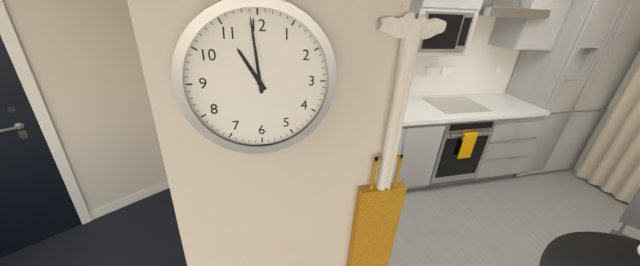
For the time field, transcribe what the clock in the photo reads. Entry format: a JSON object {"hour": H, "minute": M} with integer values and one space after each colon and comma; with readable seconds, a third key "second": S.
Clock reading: {"hour": 10, "minute": 59}
